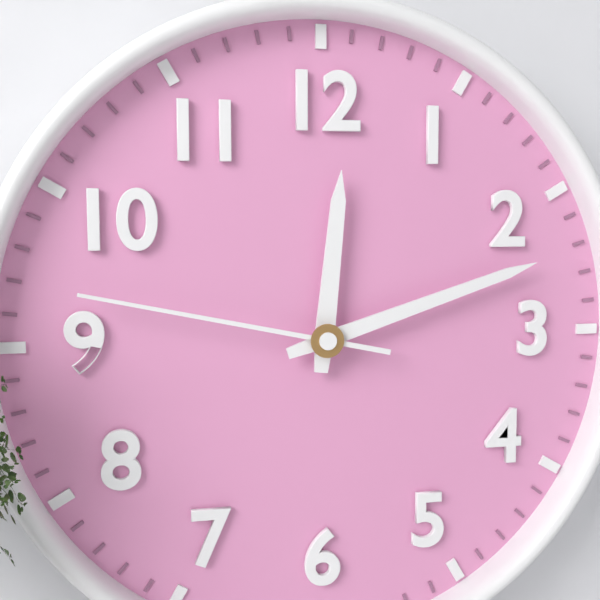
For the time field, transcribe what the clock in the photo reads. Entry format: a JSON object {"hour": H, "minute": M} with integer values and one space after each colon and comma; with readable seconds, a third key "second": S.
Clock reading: {"hour": 12, "minute": 12, "second": 47}
